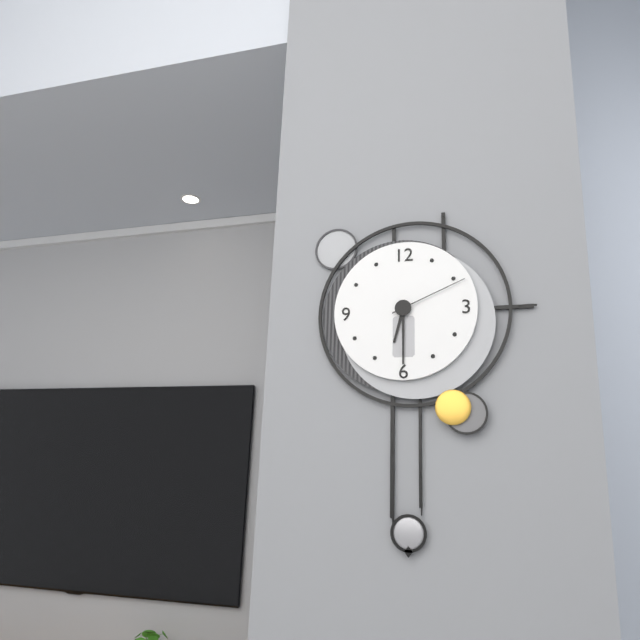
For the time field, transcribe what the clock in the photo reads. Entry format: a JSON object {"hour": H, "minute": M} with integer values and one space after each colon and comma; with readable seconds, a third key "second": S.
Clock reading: {"hour": 6, "minute": 30, "second": 11}
